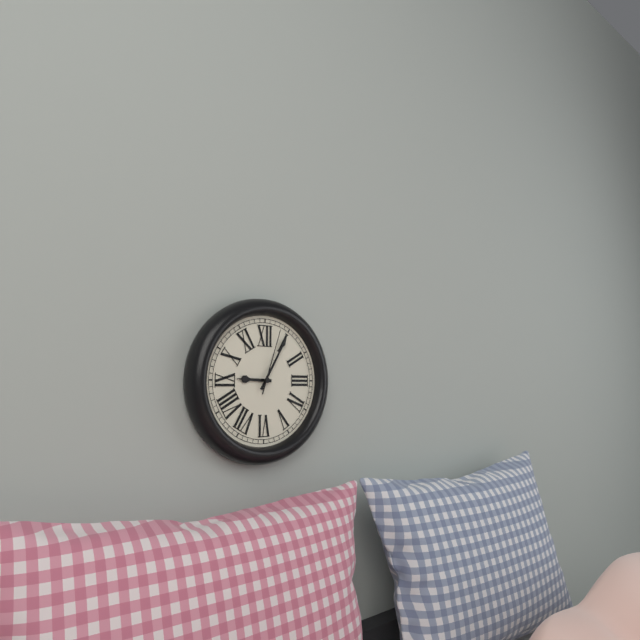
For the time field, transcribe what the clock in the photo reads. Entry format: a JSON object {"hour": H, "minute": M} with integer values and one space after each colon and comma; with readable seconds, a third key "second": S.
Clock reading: {"hour": 9, "minute": 5, "second": 3}
